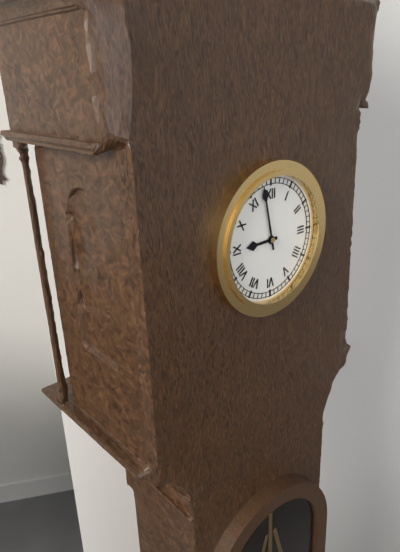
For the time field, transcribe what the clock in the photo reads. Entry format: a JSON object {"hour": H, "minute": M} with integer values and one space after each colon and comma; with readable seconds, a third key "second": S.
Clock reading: {"hour": 8, "minute": 58}
